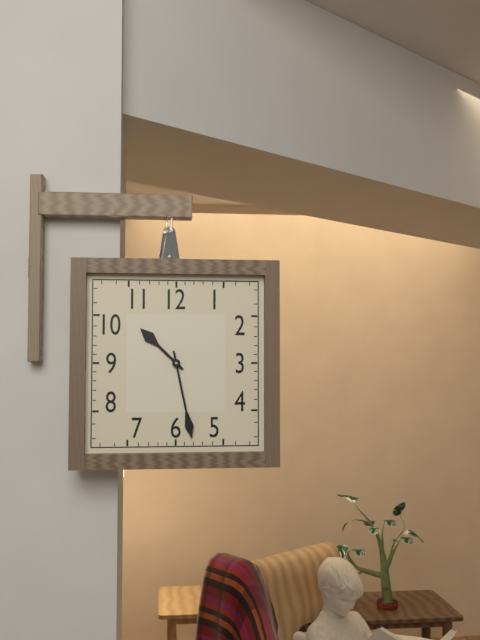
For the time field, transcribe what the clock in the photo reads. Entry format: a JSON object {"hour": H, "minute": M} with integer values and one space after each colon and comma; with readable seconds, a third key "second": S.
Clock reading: {"hour": 10, "minute": 28}
